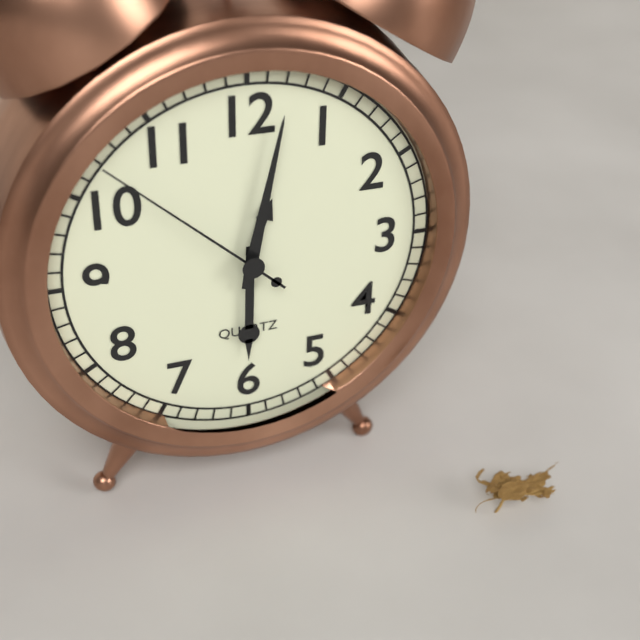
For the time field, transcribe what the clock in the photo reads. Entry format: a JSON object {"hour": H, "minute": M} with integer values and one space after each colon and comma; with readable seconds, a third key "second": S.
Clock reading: {"hour": 6, "minute": 2, "second": 52}
